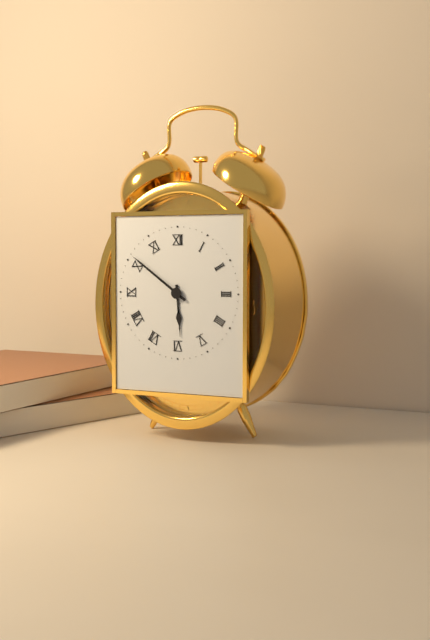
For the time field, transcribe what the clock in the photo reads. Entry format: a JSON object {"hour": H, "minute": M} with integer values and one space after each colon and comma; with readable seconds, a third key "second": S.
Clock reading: {"hour": 5, "minute": 51}
